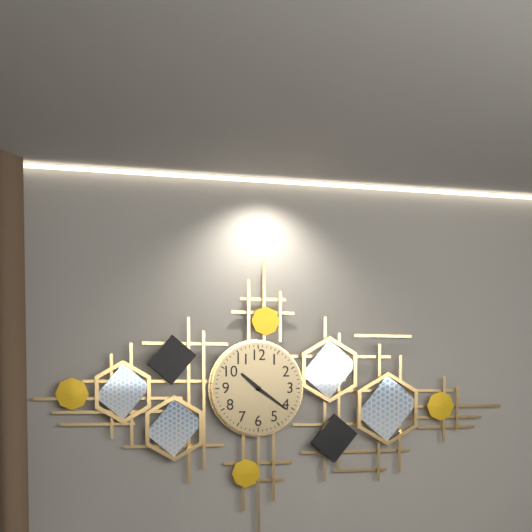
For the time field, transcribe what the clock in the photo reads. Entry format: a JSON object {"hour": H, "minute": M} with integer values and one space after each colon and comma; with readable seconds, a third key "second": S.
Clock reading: {"hour": 10, "minute": 21}
